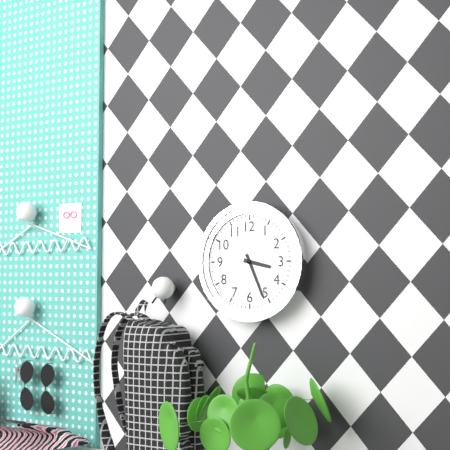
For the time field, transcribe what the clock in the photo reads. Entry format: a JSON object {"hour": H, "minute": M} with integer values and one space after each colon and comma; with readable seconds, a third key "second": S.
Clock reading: {"hour": 3, "minute": 26}
